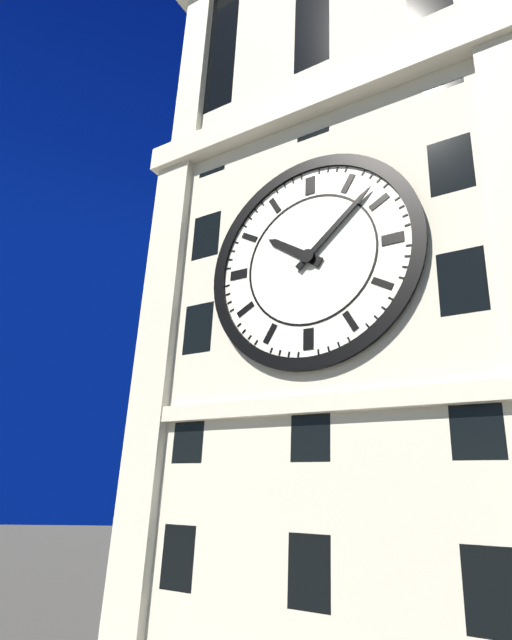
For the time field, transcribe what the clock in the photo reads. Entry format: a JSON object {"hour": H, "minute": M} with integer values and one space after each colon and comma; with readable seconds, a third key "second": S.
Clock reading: {"hour": 10, "minute": 8}
